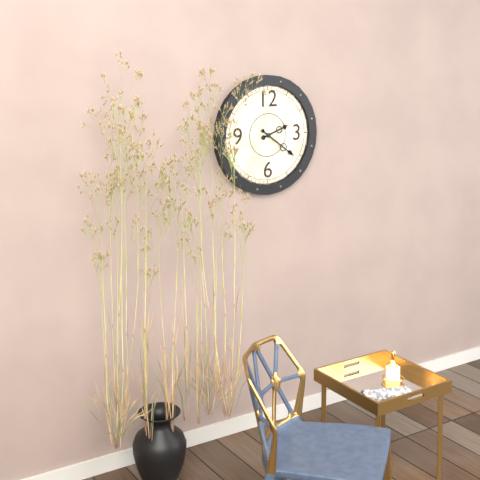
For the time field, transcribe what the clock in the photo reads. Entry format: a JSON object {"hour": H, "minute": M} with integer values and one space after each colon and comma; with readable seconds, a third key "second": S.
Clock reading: {"hour": 2, "minute": 21}
